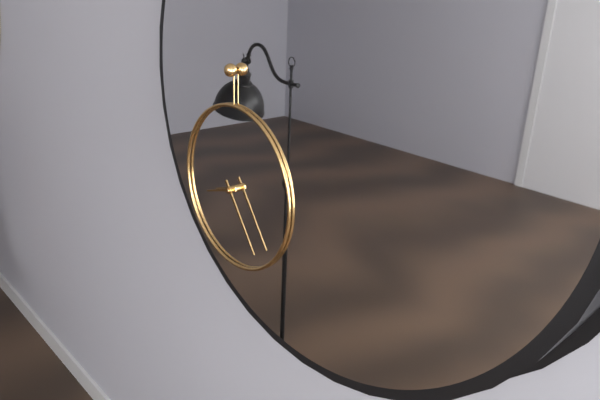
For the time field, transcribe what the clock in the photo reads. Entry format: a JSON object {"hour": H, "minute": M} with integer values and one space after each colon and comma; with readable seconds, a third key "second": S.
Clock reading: {"hour": 8, "minute": 24}
